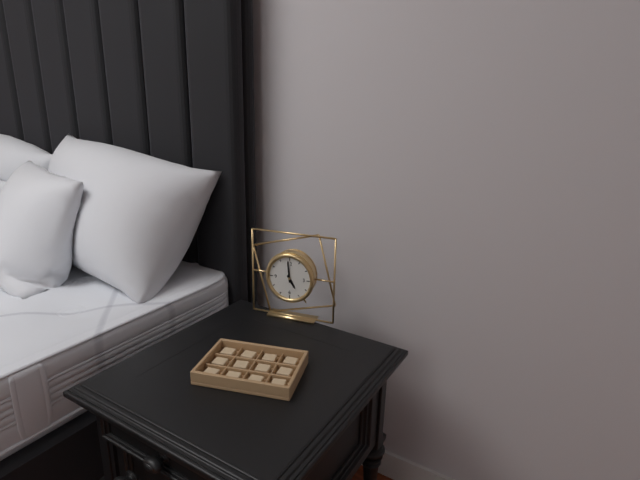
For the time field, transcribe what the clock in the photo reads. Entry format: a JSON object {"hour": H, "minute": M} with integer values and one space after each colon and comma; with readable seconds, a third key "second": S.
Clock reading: {"hour": 4, "minute": 59}
